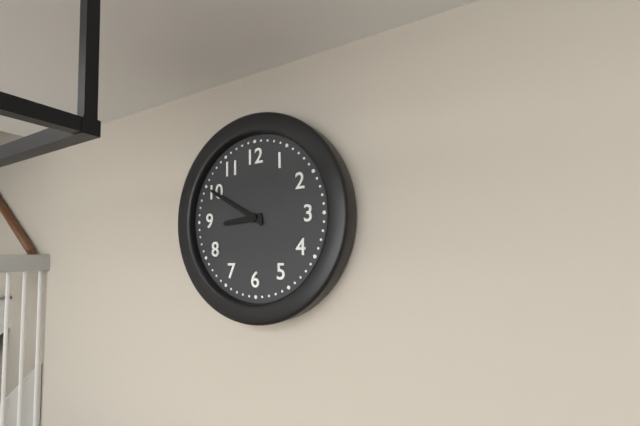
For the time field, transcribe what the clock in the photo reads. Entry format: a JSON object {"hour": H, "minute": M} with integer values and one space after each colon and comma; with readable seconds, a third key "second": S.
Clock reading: {"hour": 8, "minute": 50}
